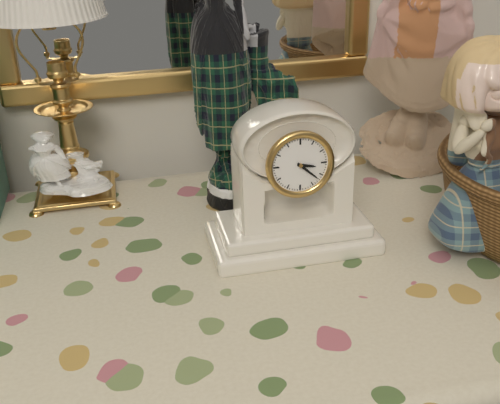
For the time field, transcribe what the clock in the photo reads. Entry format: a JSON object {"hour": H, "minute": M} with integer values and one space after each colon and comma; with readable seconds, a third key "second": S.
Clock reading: {"hour": 3, "minute": 22}
